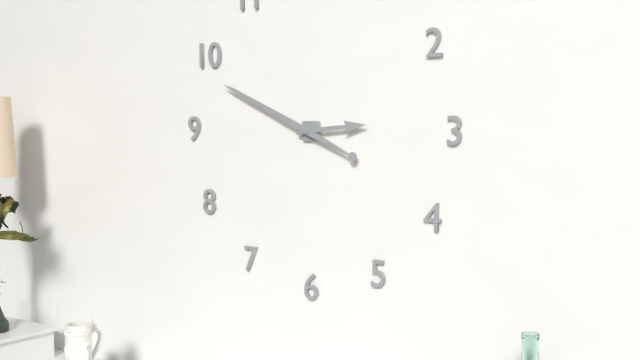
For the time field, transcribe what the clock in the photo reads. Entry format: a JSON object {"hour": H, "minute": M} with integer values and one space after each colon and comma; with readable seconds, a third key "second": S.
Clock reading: {"hour": 2, "minute": 49}
